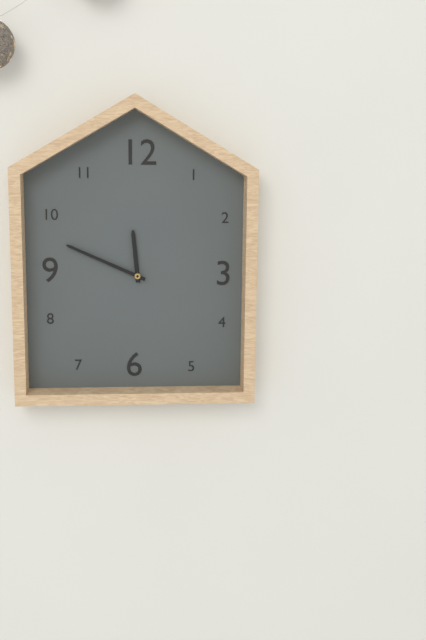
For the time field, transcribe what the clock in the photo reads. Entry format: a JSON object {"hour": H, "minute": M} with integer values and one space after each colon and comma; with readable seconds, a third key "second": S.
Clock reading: {"hour": 11, "minute": 49}
